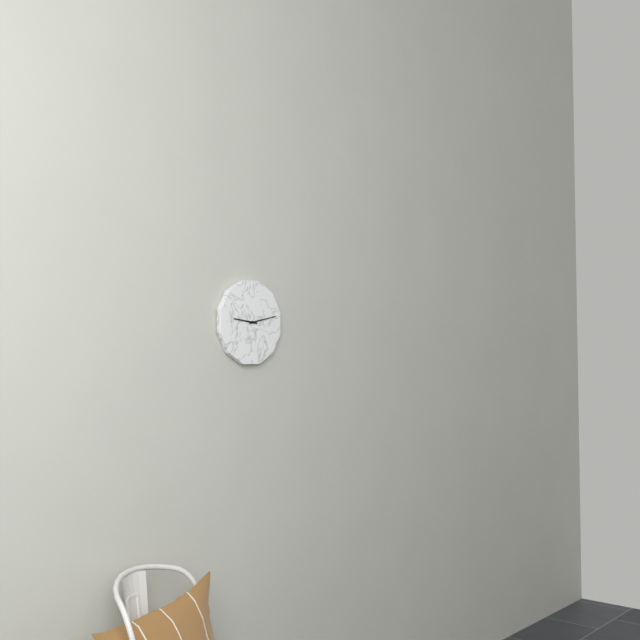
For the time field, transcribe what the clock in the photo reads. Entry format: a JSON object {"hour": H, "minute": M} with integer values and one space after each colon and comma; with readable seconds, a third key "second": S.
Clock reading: {"hour": 9, "minute": 13}
